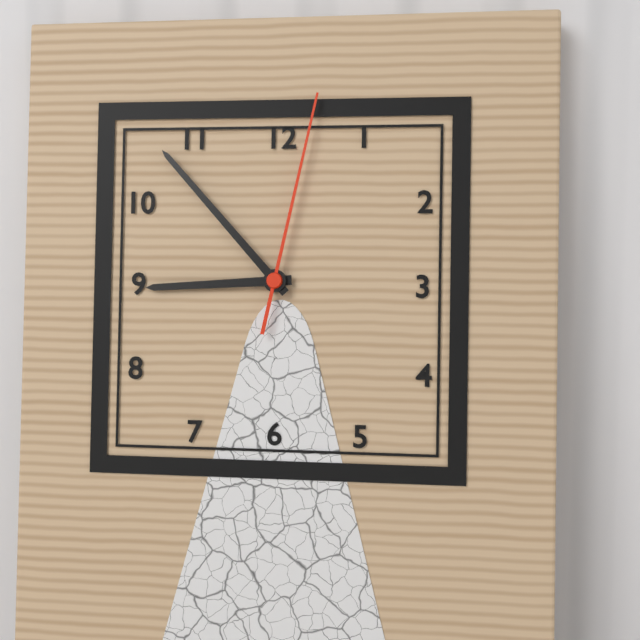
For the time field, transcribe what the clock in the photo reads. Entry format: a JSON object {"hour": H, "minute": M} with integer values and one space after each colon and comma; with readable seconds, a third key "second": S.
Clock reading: {"hour": 8, "minute": 53, "second": 2}
